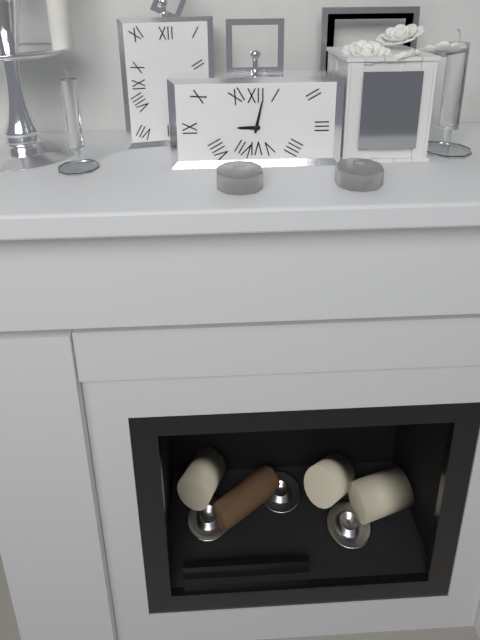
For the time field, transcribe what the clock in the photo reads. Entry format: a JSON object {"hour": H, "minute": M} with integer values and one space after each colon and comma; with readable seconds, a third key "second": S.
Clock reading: {"hour": 9, "minute": 2}
